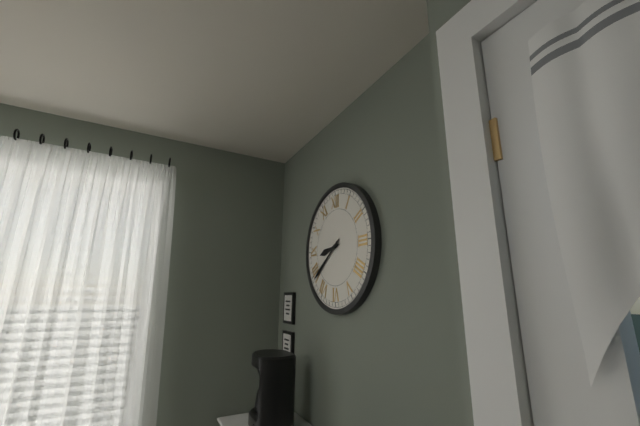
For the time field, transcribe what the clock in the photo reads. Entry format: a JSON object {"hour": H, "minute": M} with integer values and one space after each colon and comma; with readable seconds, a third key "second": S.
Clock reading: {"hour": 8, "minute": 39}
